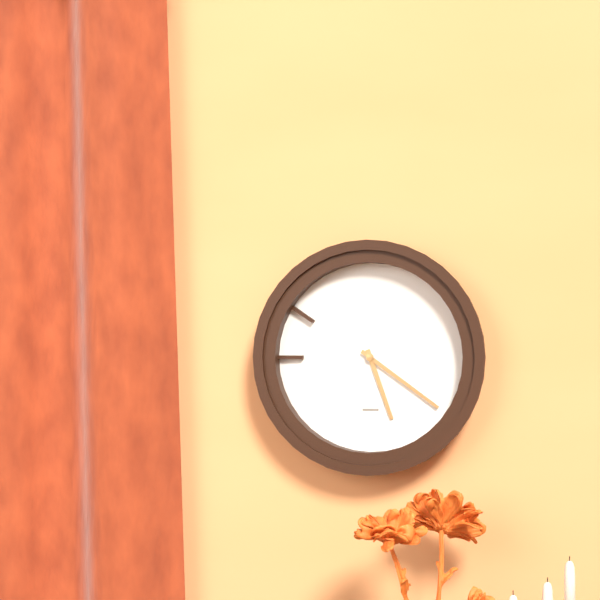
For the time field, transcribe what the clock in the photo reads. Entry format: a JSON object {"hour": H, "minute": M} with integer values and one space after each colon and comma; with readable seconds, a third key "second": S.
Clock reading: {"hour": 5, "minute": 21}
